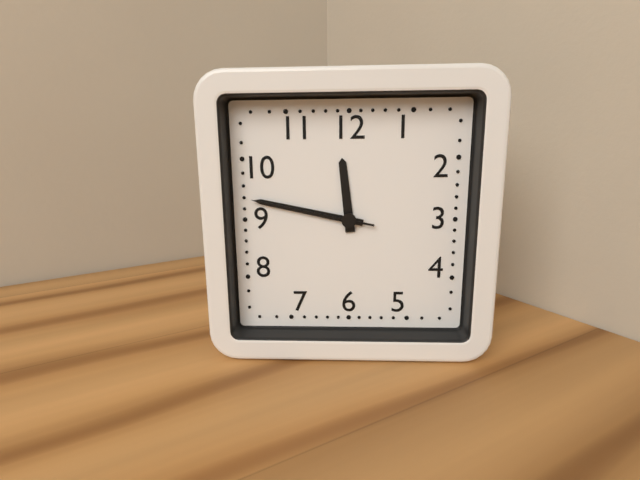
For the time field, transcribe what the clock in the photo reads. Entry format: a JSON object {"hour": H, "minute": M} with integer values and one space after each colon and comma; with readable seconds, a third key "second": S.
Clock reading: {"hour": 11, "minute": 47, "second": 47}
